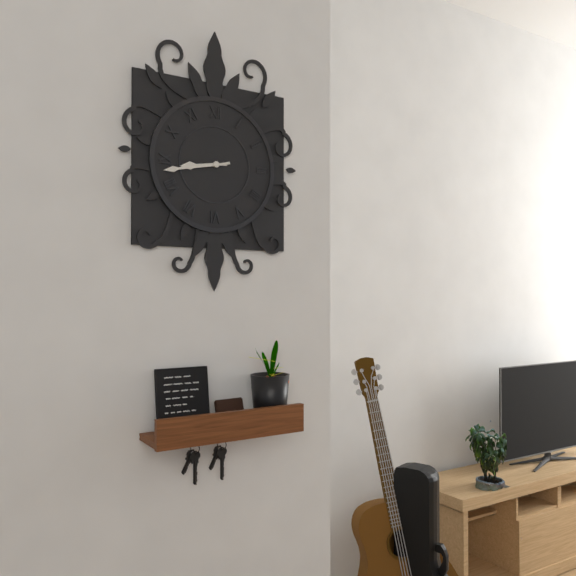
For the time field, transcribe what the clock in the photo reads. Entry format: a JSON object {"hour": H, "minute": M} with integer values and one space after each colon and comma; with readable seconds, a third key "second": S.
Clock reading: {"hour": 8, "minute": 43}
